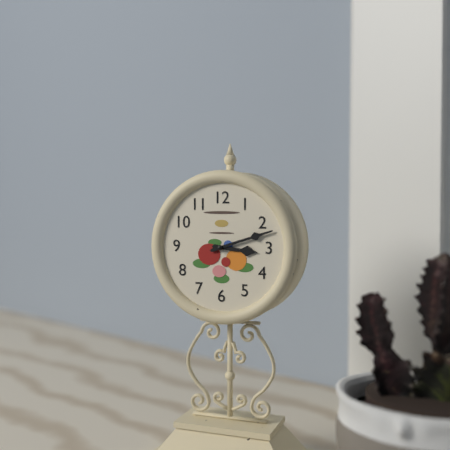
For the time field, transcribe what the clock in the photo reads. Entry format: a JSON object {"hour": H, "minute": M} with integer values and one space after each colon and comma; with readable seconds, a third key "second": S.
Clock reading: {"hour": 3, "minute": 12}
